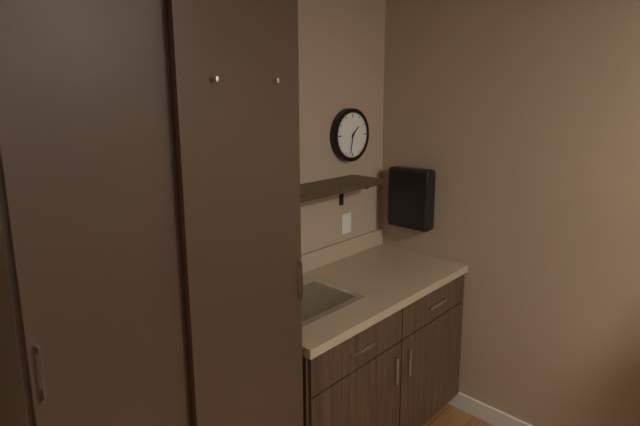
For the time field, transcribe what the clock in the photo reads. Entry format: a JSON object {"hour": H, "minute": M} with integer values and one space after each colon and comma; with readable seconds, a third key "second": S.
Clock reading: {"hour": 1, "minute": 32}
